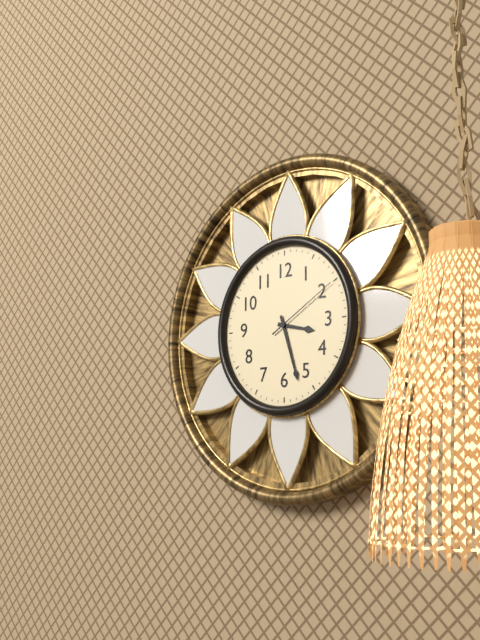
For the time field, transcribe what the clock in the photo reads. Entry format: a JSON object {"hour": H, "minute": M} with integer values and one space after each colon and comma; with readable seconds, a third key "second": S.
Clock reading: {"hour": 3, "minute": 27, "second": 10}
